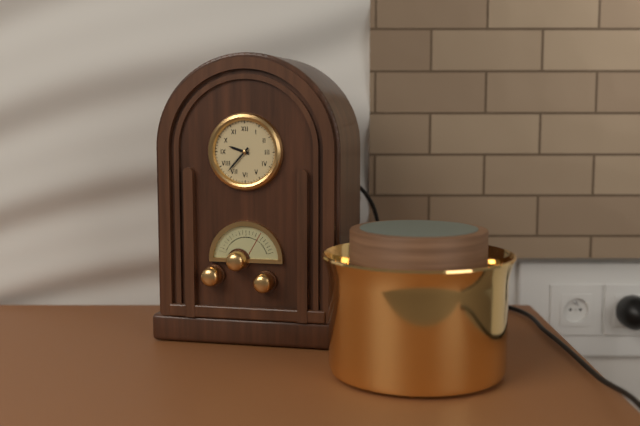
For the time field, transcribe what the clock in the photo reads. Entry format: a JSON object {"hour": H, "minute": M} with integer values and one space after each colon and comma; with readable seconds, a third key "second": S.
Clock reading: {"hour": 9, "minute": 37}
